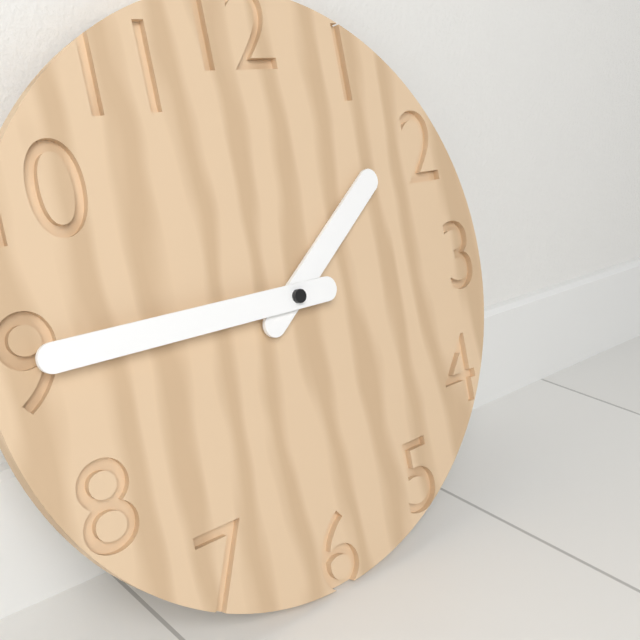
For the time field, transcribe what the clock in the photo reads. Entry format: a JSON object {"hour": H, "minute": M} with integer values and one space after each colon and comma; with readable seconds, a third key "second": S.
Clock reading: {"hour": 1, "minute": 45}
